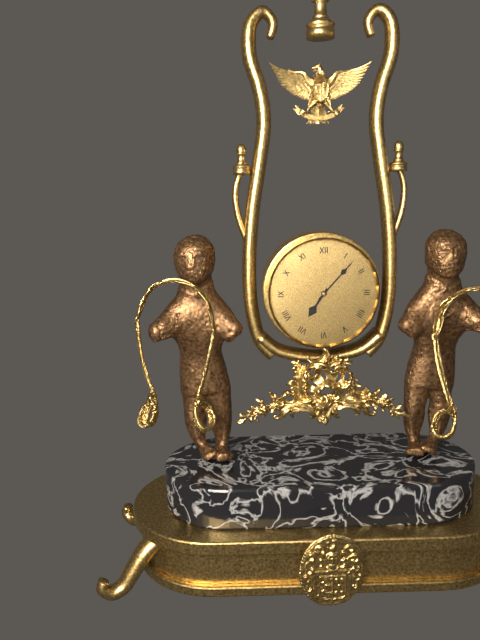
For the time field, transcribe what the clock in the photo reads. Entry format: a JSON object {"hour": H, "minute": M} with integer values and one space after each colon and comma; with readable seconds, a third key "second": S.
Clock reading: {"hour": 7, "minute": 7}
